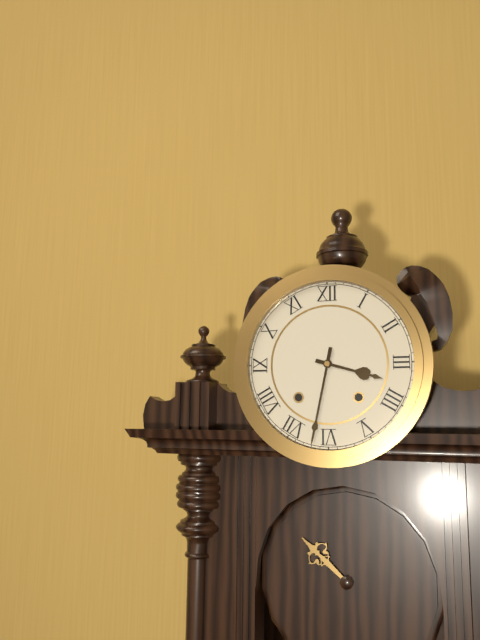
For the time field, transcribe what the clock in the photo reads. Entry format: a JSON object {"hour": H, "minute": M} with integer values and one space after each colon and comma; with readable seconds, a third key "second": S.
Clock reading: {"hour": 3, "minute": 32}
